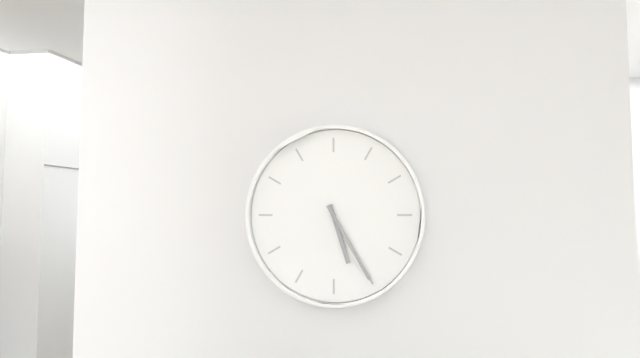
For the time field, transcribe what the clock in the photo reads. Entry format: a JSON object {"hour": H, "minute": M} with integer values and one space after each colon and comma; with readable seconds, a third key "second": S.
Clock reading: {"hour": 5, "minute": 25}
